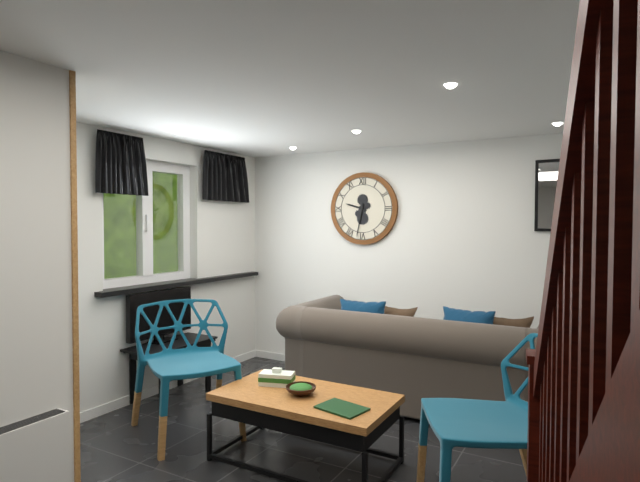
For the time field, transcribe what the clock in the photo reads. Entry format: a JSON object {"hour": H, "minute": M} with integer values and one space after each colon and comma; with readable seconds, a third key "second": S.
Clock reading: {"hour": 9, "minute": 32}
